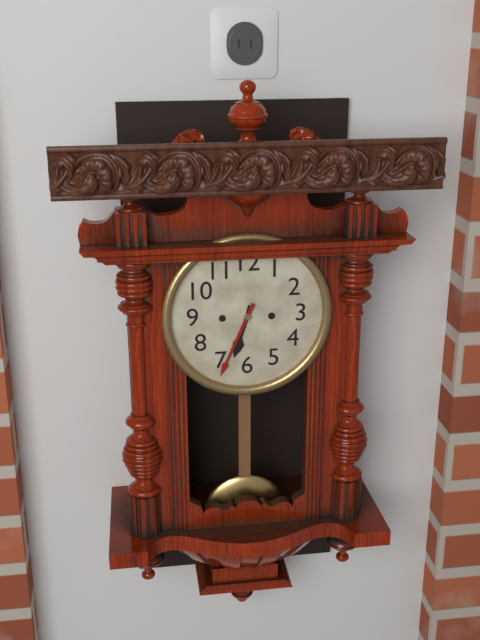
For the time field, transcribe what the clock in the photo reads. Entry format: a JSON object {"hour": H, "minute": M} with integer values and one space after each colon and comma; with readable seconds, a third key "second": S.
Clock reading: {"hour": 6, "minute": 34}
